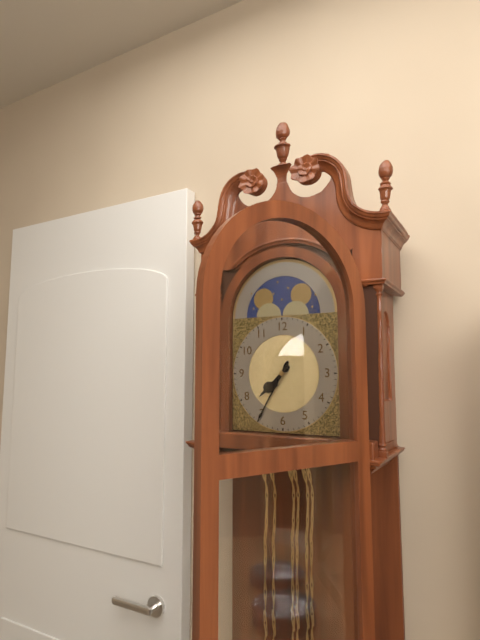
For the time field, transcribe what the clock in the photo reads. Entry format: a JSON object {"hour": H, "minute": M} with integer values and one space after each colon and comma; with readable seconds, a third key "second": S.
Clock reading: {"hour": 7, "minute": 35}
